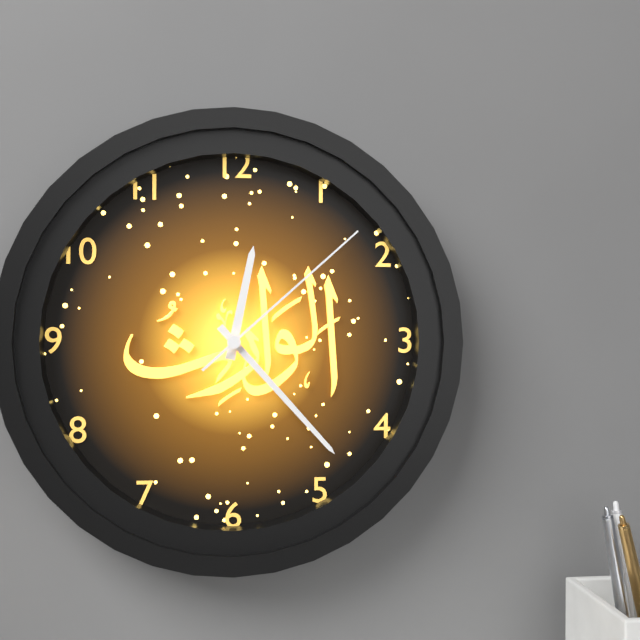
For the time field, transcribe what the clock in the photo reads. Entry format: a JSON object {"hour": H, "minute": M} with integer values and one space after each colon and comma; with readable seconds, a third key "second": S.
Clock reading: {"hour": 12, "minute": 23, "second": 8}
